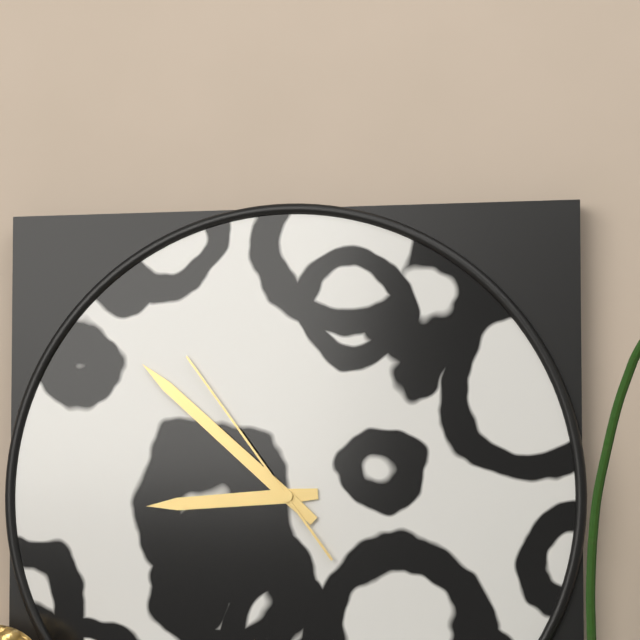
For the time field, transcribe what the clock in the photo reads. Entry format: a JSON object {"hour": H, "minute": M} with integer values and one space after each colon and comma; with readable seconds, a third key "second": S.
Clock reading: {"hour": 8, "minute": 52, "second": 54}
